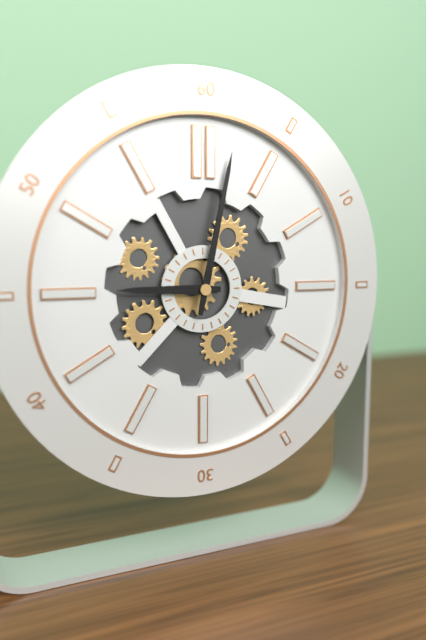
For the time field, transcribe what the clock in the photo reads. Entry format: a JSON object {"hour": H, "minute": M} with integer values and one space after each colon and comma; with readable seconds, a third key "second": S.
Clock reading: {"hour": 9, "minute": 2}
